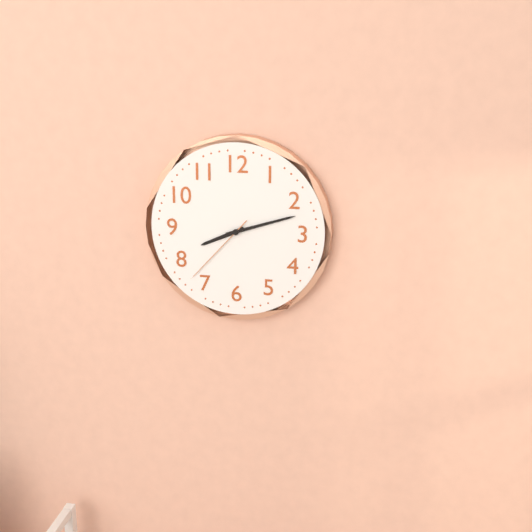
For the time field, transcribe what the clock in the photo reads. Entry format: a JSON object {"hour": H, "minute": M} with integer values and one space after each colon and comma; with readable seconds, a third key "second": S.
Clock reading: {"hour": 8, "minute": 12, "second": 37}
